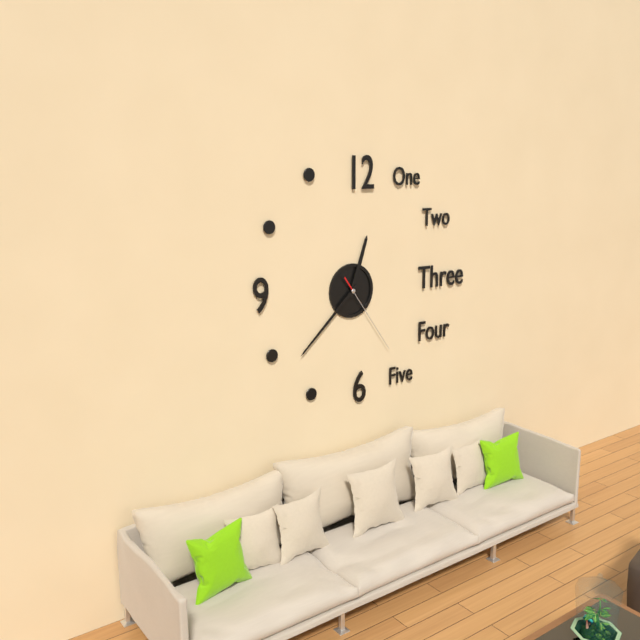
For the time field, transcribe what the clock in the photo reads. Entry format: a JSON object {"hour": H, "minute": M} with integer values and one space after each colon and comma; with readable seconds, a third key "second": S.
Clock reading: {"hour": 12, "minute": 38, "second": 24}
